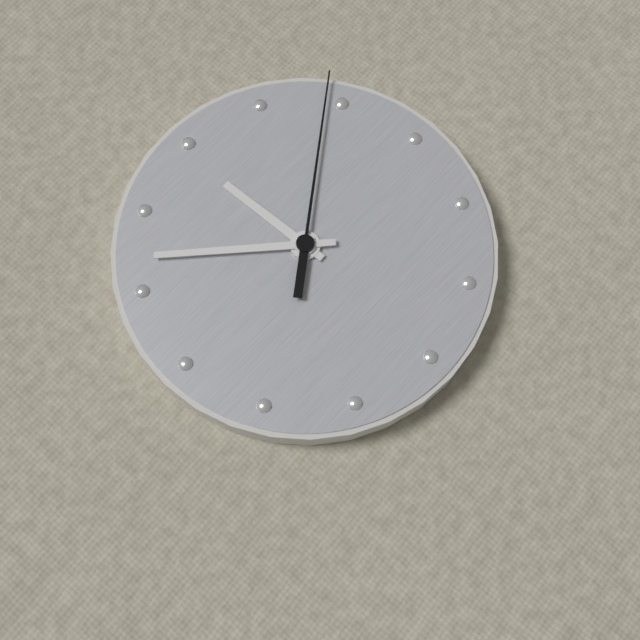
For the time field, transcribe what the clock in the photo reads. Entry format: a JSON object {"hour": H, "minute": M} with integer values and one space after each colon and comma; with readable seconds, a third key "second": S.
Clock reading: {"hour": 11, "minute": 52, "second": 9}
